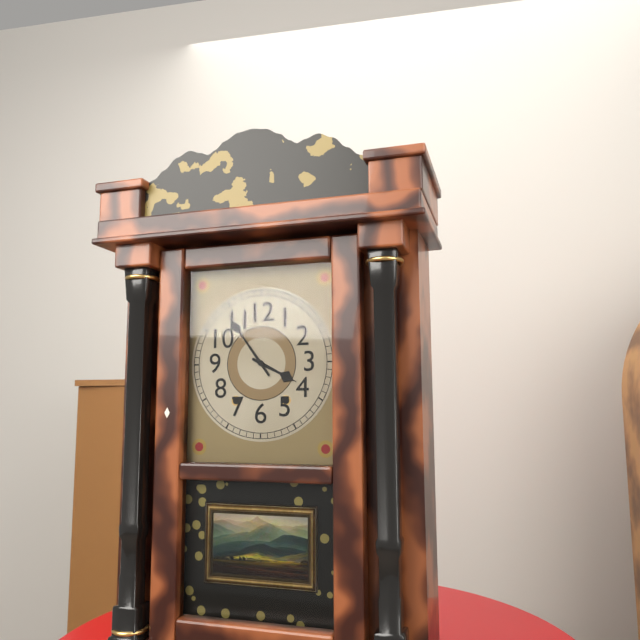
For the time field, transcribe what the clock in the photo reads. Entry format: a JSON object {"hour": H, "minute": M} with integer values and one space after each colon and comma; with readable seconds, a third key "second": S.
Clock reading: {"hour": 3, "minute": 54}
